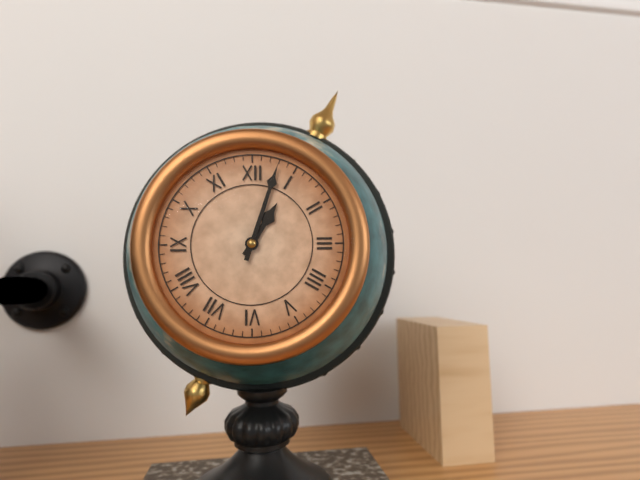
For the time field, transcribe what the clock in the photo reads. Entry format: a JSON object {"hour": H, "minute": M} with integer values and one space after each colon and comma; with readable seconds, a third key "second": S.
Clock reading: {"hour": 1, "minute": 3}
